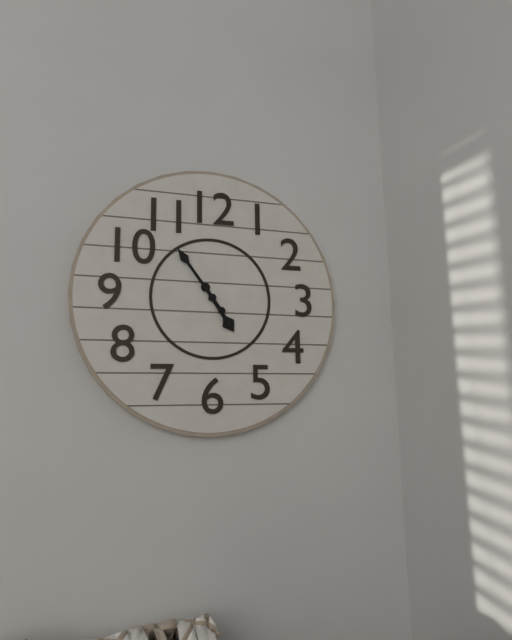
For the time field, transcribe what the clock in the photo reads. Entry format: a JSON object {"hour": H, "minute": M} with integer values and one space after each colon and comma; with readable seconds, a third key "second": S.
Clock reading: {"hour": 4, "minute": 54}
